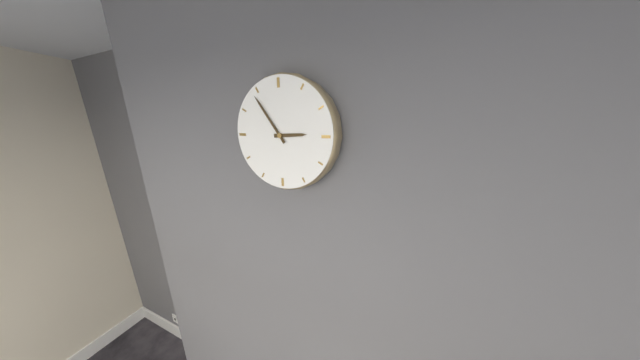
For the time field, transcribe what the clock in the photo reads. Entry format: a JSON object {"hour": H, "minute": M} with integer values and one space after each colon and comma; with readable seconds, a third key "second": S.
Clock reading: {"hour": 2, "minute": 54}
